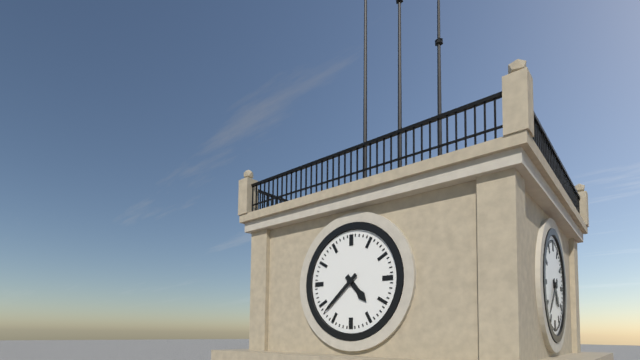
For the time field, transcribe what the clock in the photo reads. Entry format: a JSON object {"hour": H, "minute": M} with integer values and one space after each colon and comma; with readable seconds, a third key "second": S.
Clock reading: {"hour": 4, "minute": 38}
